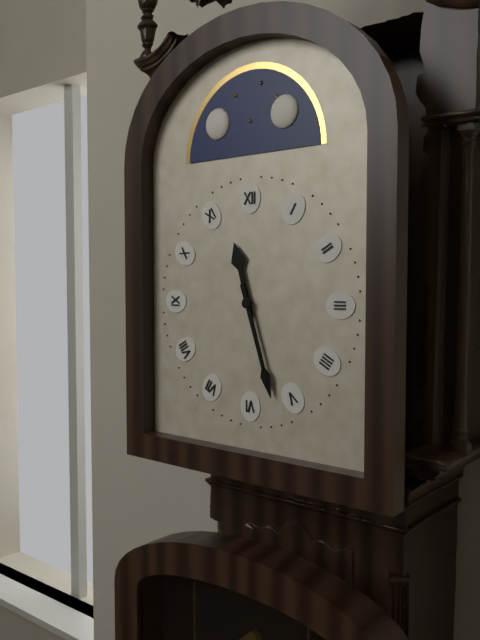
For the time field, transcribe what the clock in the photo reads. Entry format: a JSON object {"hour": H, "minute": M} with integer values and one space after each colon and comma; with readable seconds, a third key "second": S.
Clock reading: {"hour": 11, "minute": 27}
